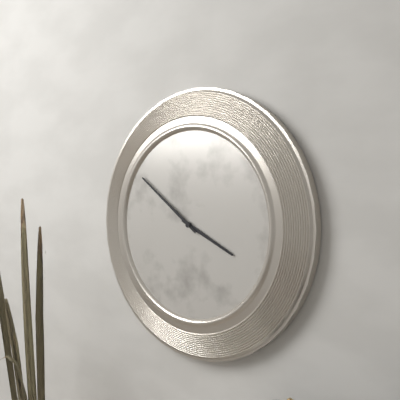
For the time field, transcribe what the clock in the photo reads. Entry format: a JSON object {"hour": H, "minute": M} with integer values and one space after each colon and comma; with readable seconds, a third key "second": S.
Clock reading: {"hour": 3, "minute": 51}
